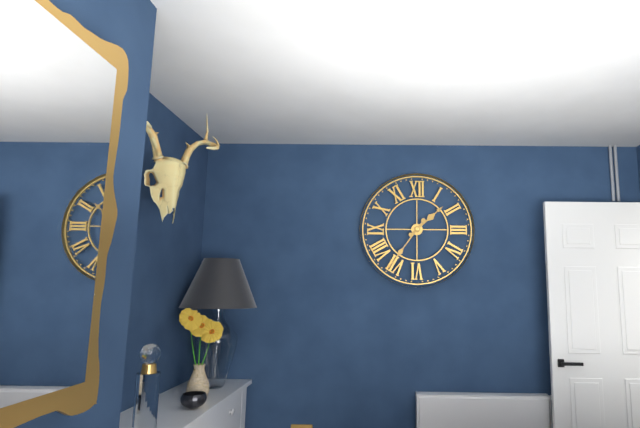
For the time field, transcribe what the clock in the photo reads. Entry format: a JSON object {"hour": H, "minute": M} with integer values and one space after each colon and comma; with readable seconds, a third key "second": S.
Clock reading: {"hour": 1, "minute": 36}
